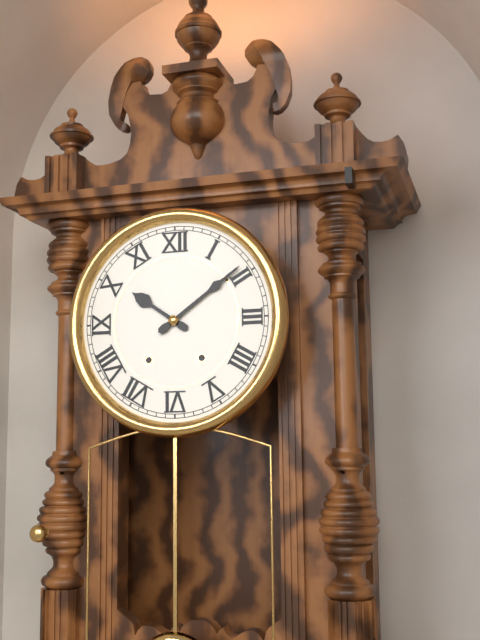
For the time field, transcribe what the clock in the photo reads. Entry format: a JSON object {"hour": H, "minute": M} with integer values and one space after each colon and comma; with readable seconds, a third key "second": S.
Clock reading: {"hour": 10, "minute": 9}
